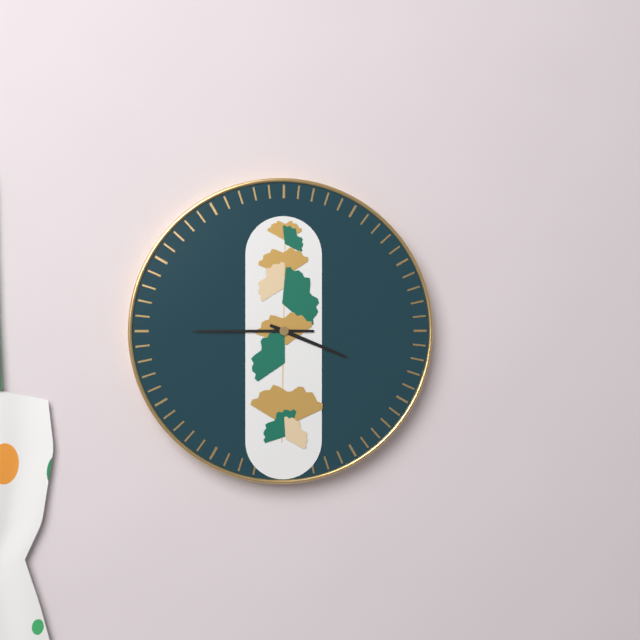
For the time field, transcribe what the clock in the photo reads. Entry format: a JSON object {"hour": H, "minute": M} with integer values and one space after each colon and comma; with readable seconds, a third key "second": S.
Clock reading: {"hour": 3, "minute": 45}
